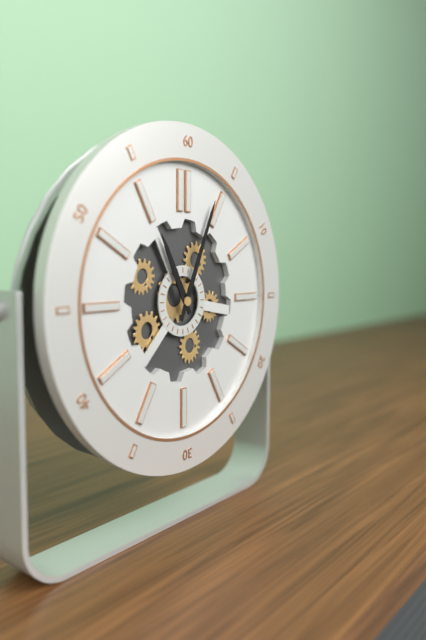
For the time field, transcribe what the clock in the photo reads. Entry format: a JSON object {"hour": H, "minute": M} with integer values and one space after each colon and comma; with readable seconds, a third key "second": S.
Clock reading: {"hour": 11, "minute": 4}
